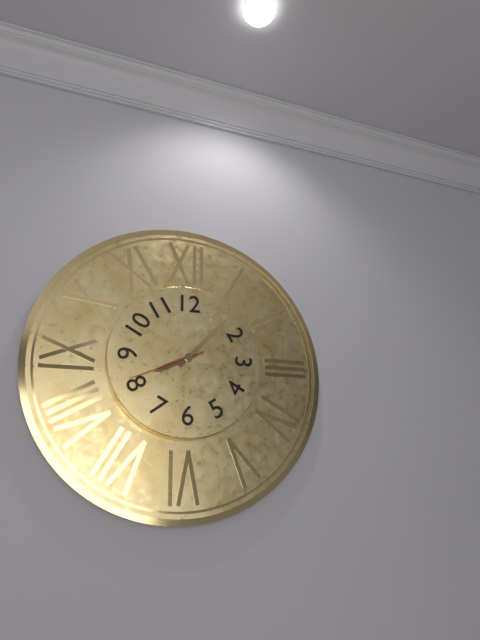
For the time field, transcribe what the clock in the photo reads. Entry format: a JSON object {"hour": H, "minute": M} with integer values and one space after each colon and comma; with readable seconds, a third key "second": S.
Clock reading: {"hour": 8, "minute": 7, "second": 41}
